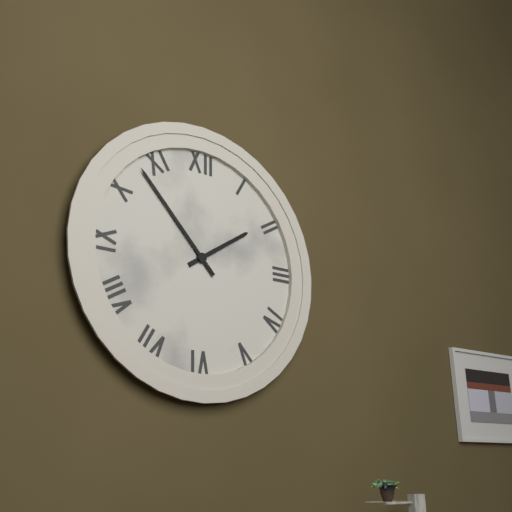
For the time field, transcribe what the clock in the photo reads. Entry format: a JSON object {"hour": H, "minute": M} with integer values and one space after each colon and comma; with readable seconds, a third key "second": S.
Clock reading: {"hour": 1, "minute": 53}
